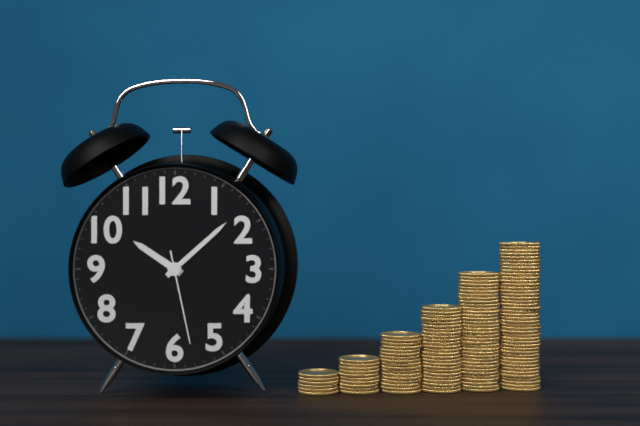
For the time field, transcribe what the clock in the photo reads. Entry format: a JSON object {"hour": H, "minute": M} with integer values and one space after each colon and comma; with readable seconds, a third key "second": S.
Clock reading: {"hour": 10, "minute": 8, "second": 28}
